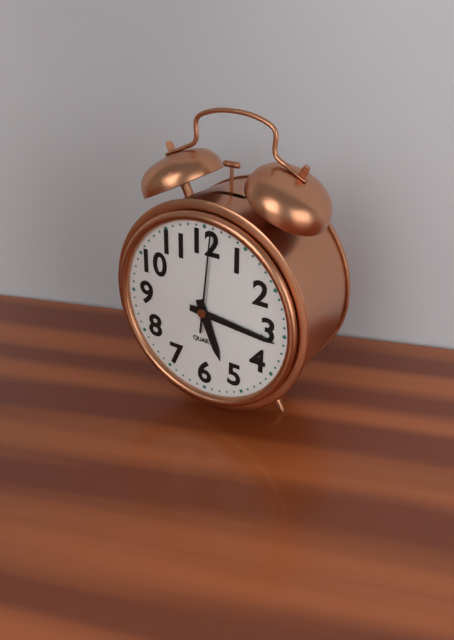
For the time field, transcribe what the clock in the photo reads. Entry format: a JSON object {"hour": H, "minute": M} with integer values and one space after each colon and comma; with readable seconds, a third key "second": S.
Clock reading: {"hour": 5, "minute": 16, "second": 1}
